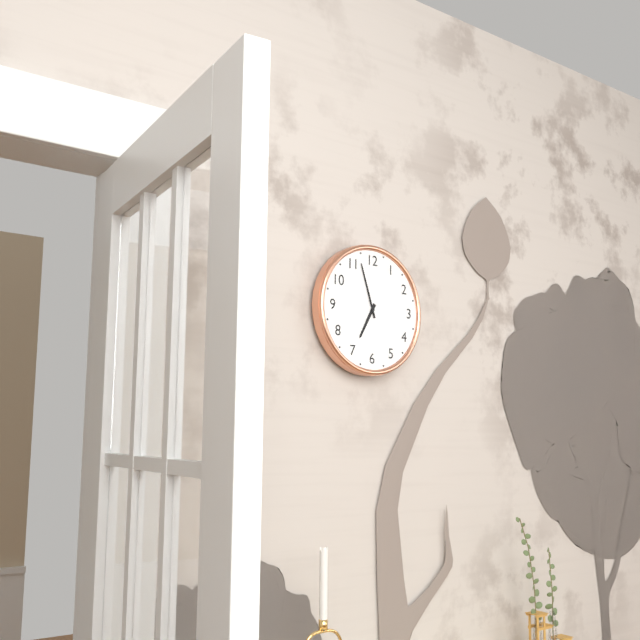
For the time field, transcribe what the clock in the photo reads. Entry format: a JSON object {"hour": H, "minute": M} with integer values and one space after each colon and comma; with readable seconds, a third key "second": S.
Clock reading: {"hour": 6, "minute": 57}
